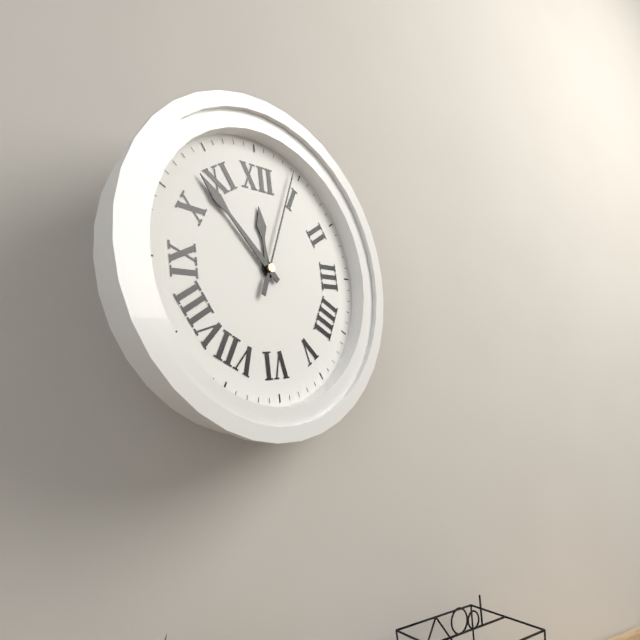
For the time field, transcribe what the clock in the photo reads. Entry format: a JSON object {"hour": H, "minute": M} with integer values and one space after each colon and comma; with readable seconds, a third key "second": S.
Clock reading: {"hour": 11, "minute": 53, "second": 4}
